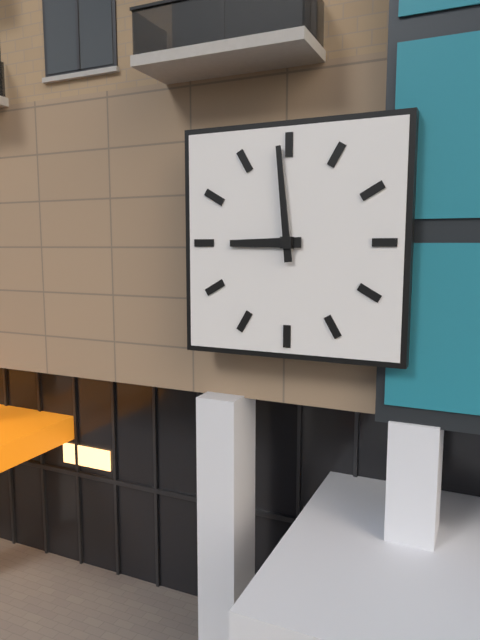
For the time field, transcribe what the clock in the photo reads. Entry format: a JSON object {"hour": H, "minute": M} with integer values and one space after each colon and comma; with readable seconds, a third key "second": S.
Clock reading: {"hour": 8, "minute": 59}
